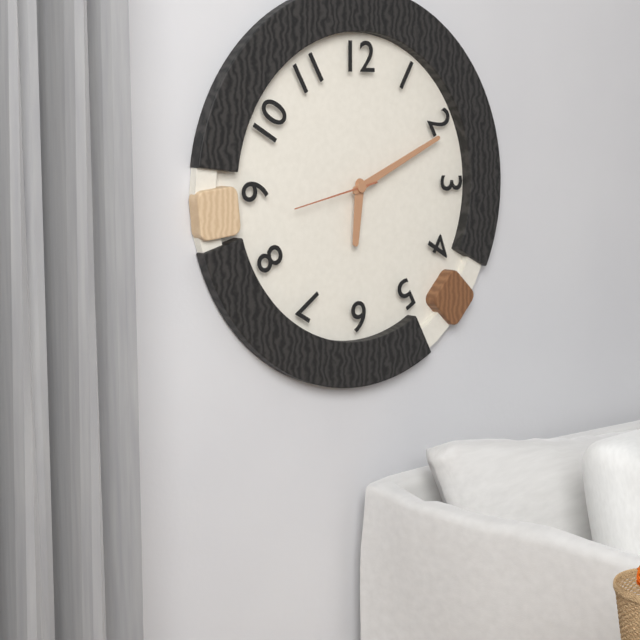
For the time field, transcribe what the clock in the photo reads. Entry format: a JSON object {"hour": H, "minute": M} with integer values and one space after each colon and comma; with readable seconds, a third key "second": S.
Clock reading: {"hour": 6, "minute": 11, "second": 43}
